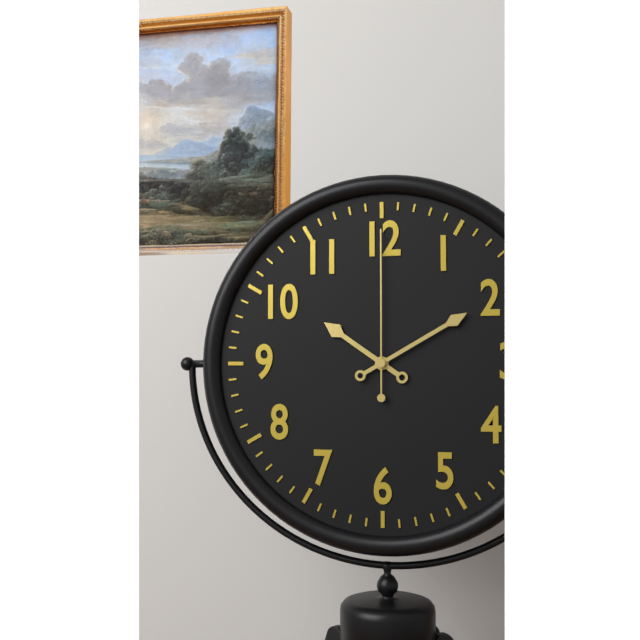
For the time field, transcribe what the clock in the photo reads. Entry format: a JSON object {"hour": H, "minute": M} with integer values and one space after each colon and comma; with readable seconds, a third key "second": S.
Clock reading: {"hour": 10, "minute": 10, "second": 0}
